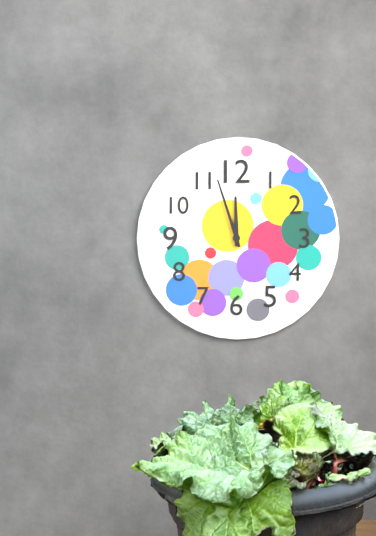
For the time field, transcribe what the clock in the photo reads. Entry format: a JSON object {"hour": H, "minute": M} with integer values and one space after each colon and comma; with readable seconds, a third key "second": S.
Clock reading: {"hour": 11, "minute": 57}
